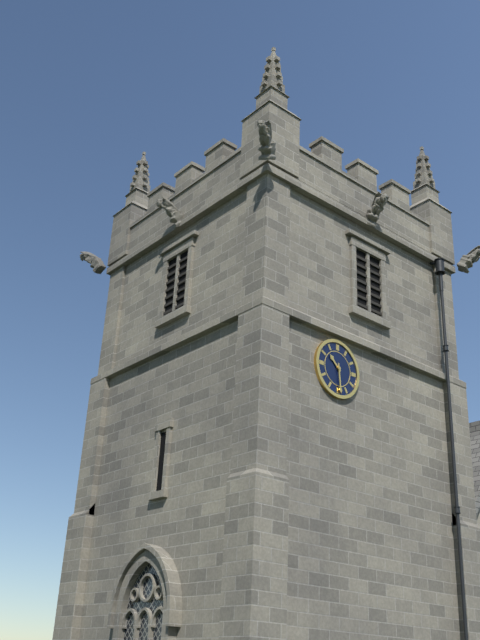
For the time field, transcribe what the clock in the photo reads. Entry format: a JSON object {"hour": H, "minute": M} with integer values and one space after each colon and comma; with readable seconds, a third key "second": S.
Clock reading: {"hour": 10, "minute": 29}
